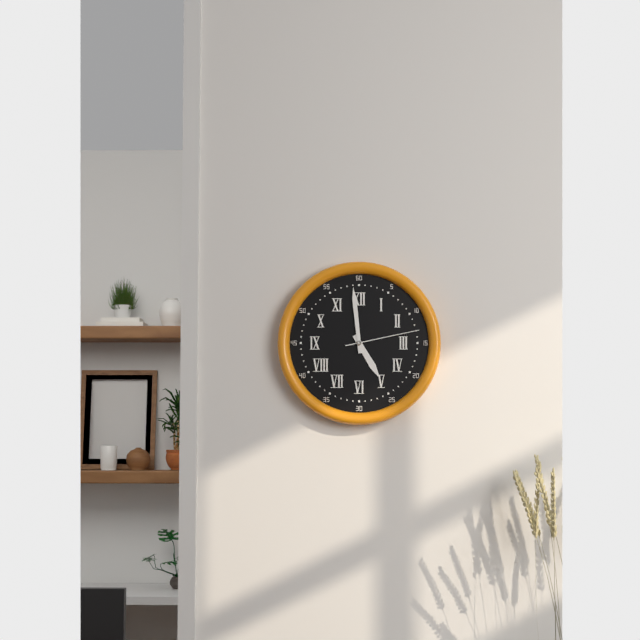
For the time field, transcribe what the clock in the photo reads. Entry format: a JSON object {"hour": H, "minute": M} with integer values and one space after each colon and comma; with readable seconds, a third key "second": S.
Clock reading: {"hour": 4, "minute": 59, "second": 13}
